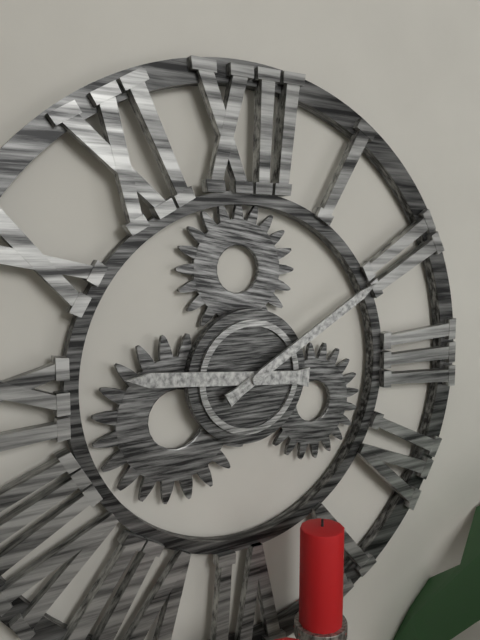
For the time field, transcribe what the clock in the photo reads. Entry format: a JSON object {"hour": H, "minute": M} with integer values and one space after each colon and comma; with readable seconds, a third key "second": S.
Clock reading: {"hour": 9, "minute": 10}
